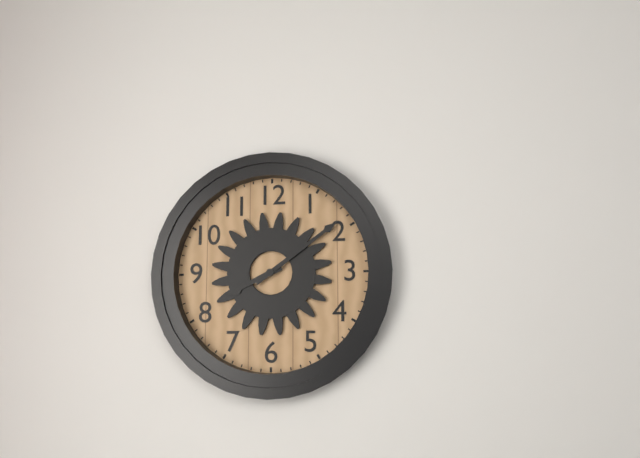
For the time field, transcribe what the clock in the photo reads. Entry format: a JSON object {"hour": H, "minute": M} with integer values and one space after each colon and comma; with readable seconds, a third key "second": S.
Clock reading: {"hour": 8, "minute": 9}
